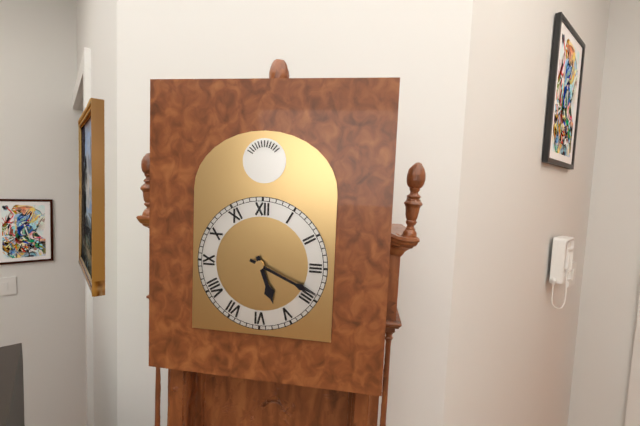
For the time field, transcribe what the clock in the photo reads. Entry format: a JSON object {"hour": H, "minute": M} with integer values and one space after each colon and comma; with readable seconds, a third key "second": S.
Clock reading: {"hour": 5, "minute": 19}
